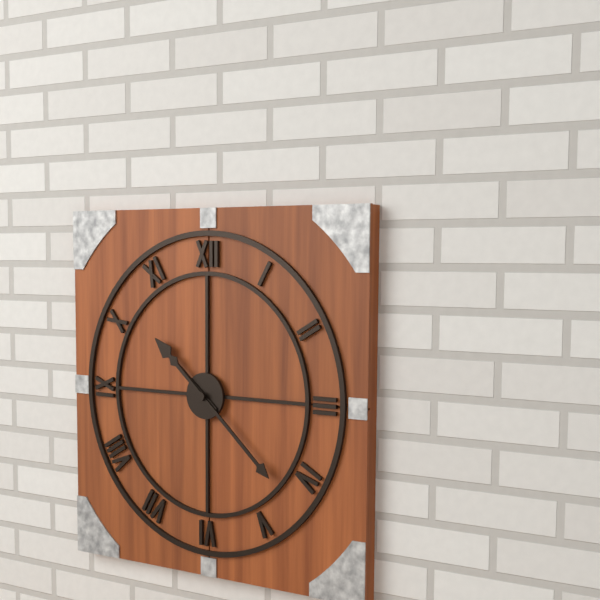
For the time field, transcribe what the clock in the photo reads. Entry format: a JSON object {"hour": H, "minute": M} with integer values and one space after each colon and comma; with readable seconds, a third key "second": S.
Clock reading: {"hour": 10, "minute": 22}
